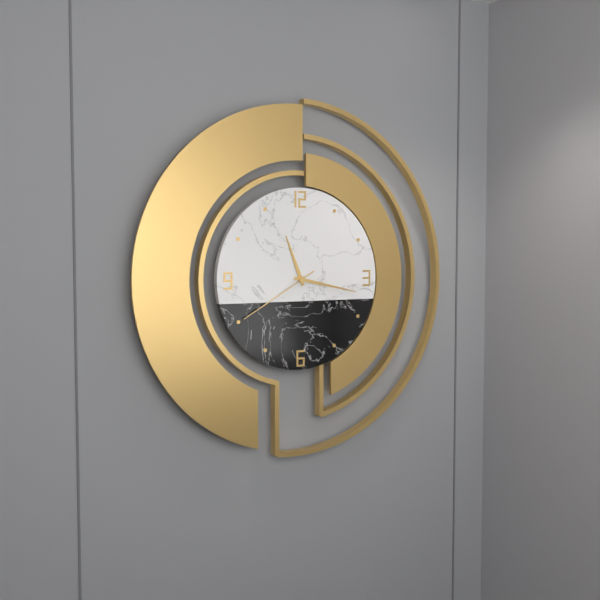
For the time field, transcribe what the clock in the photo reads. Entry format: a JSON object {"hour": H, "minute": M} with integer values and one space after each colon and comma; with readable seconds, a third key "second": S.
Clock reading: {"hour": 11, "minute": 17, "second": 40}
